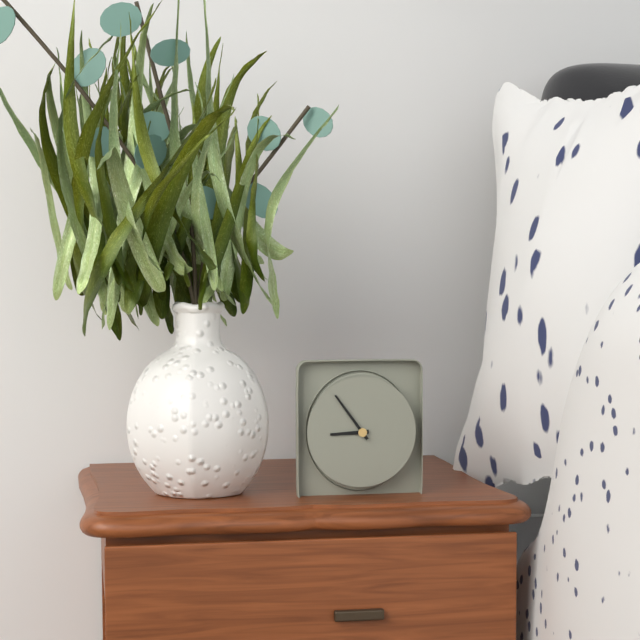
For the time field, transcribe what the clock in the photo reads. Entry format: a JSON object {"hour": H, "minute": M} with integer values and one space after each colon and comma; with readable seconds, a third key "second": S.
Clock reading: {"hour": 8, "minute": 54}
